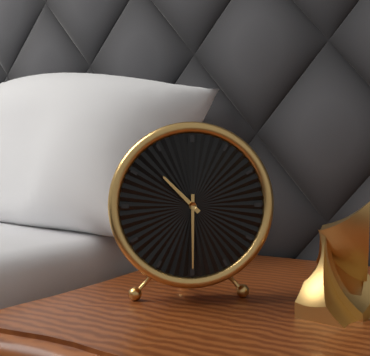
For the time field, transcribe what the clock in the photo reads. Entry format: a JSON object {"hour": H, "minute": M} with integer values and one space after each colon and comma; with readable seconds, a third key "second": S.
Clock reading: {"hour": 10, "minute": 30}
